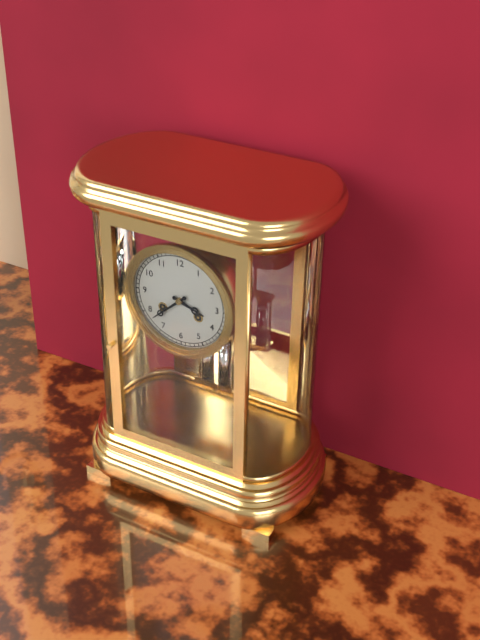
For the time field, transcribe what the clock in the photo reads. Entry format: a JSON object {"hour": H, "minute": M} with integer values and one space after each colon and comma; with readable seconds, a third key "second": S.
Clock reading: {"hour": 3, "minute": 38}
